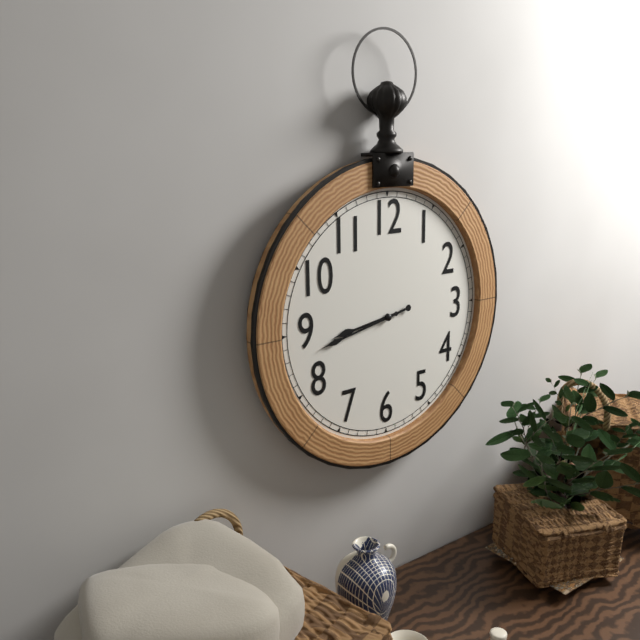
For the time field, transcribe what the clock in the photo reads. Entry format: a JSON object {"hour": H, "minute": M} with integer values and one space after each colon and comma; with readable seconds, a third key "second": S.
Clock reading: {"hour": 8, "minute": 43}
